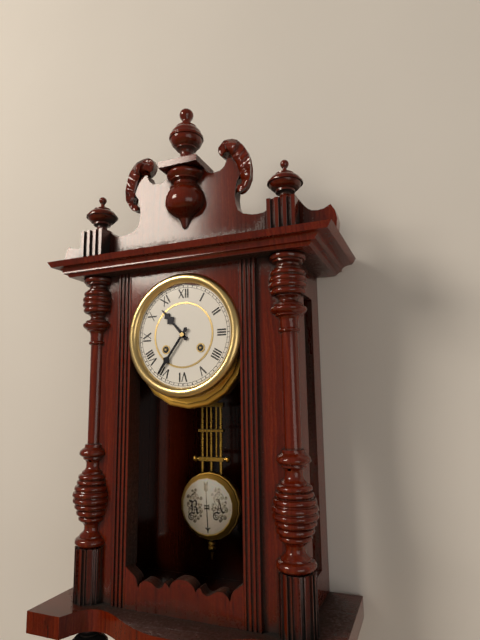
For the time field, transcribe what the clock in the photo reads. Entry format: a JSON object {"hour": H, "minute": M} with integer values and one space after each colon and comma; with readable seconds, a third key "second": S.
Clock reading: {"hour": 10, "minute": 36}
